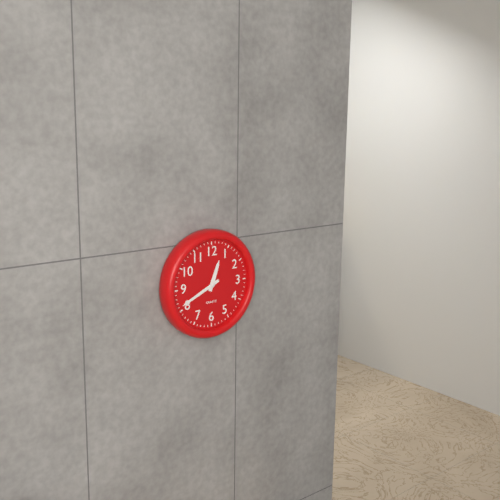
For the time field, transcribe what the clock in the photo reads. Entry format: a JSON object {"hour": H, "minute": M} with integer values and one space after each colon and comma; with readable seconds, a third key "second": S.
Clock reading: {"hour": 12, "minute": 41}
